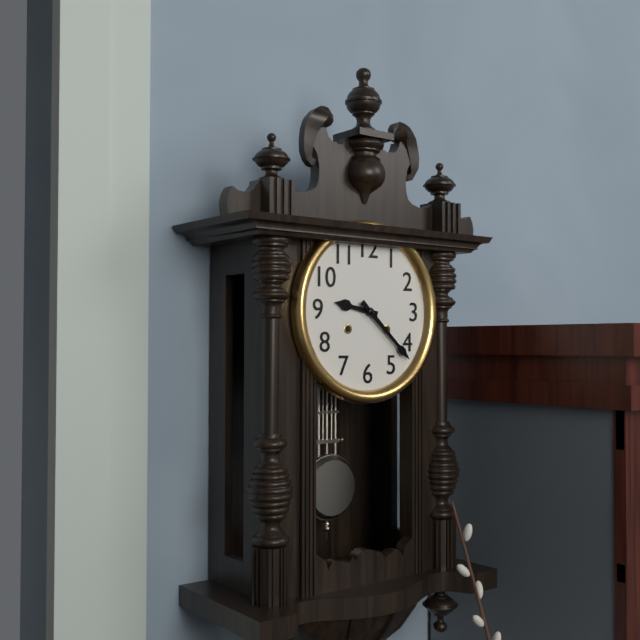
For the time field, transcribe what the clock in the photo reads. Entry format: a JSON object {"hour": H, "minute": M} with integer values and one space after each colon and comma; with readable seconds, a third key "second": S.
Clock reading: {"hour": 9, "minute": 22}
